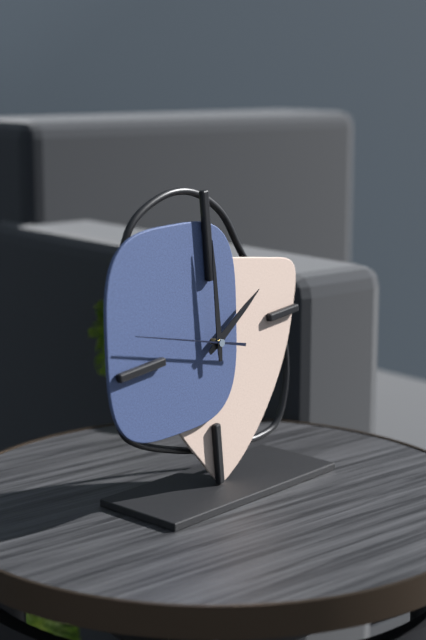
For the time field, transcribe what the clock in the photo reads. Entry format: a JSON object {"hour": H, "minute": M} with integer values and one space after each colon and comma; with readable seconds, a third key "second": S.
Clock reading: {"hour": 2, "minute": 0, "second": 48}
